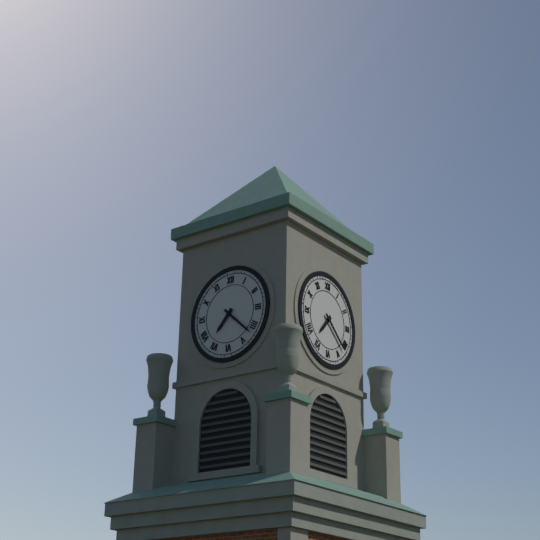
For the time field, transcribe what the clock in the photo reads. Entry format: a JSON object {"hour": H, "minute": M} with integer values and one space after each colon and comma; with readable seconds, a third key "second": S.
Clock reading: {"hour": 7, "minute": 22}
